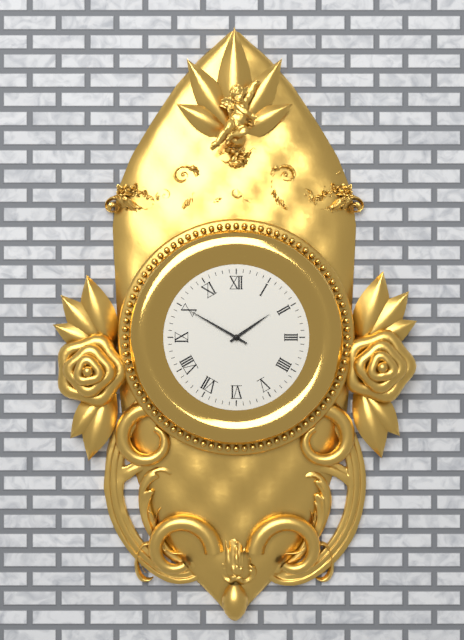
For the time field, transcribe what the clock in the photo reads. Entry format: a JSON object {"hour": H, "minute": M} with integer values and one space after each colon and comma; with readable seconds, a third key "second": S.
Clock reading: {"hour": 1, "minute": 50}
